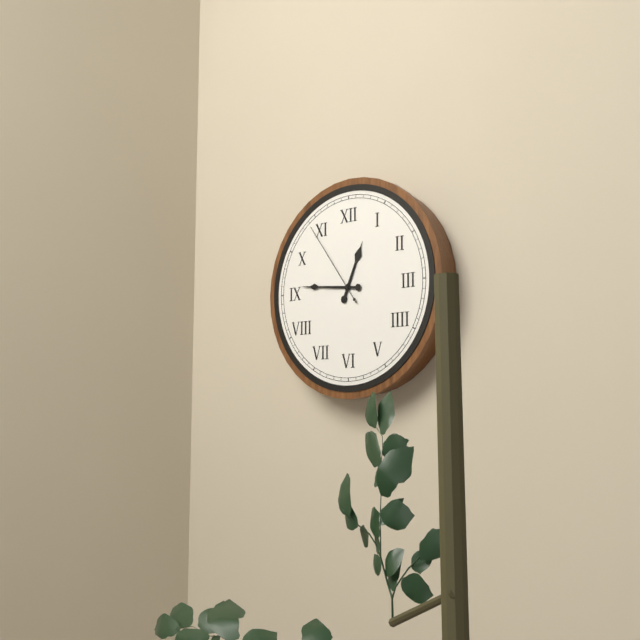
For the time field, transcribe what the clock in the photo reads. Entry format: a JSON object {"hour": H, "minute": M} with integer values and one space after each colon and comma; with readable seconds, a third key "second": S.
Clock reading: {"hour": 12, "minute": 46, "second": 54}
